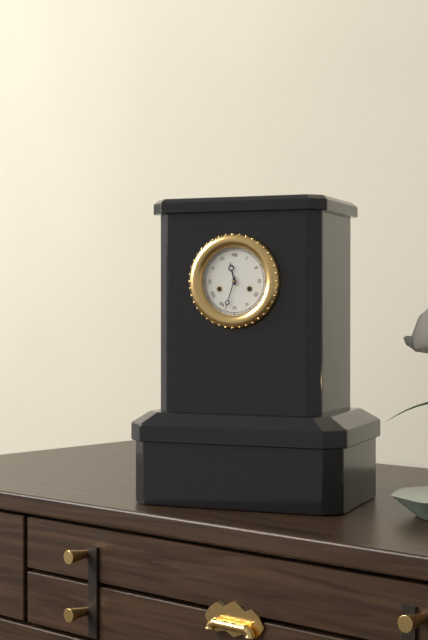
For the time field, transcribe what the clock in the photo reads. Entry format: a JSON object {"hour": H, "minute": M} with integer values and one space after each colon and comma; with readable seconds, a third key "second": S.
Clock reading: {"hour": 11, "minute": 33}
